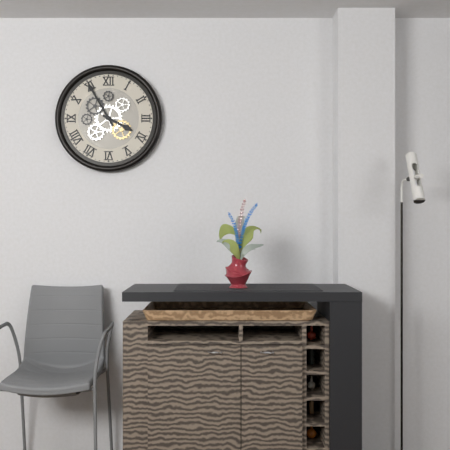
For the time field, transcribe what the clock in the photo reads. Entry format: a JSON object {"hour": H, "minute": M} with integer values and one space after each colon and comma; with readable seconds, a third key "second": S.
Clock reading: {"hour": 3, "minute": 55}
